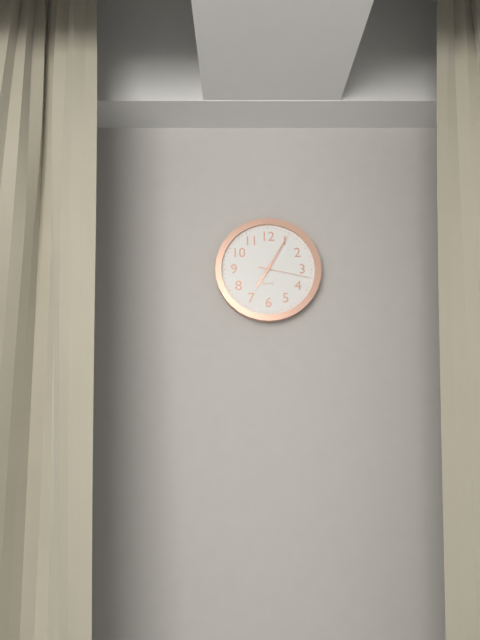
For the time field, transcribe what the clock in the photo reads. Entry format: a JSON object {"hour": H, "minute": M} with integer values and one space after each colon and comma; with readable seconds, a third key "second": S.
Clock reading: {"hour": 7, "minute": 5, "second": 17}
